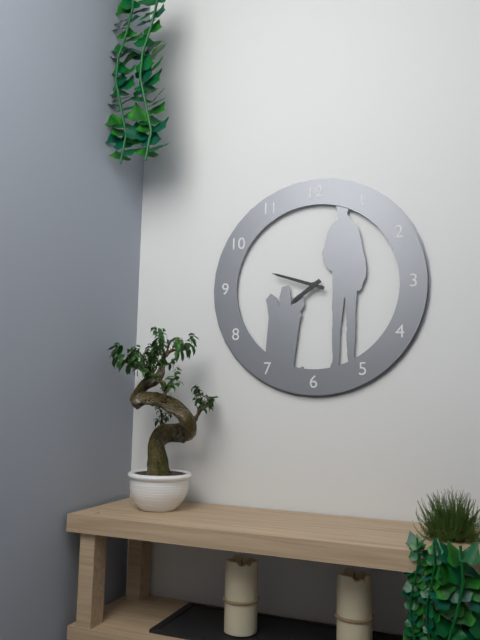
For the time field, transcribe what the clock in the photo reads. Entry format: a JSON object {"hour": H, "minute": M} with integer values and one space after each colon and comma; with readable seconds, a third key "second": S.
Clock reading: {"hour": 7, "minute": 48}
